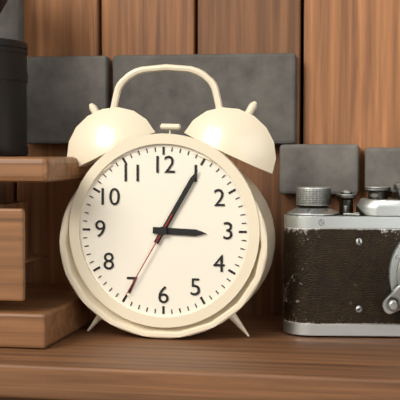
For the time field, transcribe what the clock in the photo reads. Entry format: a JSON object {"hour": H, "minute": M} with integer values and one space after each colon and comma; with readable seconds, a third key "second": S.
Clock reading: {"hour": 3, "minute": 5, "second": 35}
